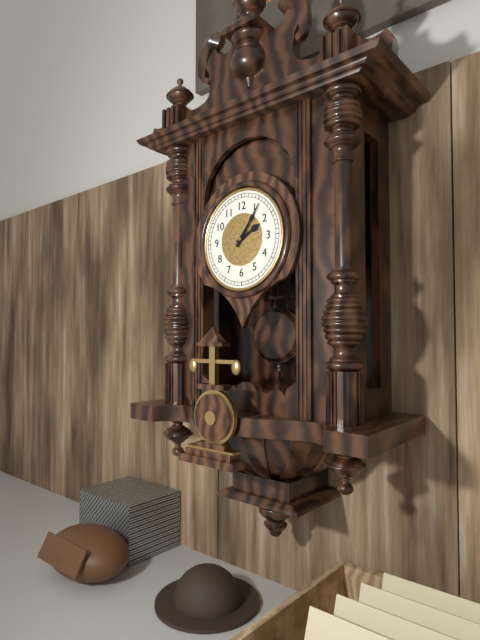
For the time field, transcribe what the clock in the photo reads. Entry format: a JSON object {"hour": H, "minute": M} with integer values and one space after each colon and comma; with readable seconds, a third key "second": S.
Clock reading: {"hour": 2, "minute": 6}
